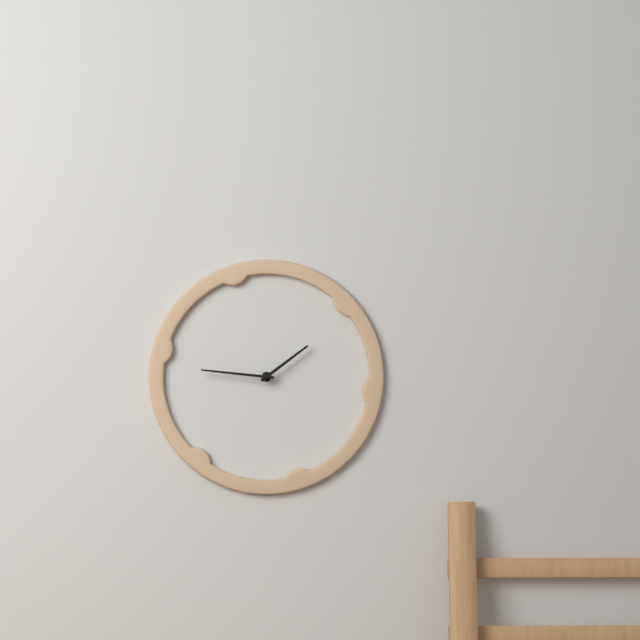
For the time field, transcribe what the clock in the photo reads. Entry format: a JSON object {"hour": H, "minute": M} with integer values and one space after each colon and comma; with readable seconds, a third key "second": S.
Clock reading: {"hour": 1, "minute": 46}
